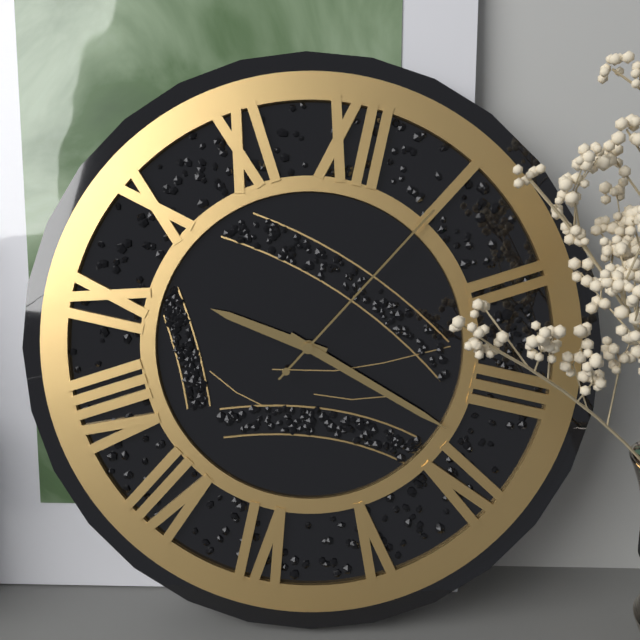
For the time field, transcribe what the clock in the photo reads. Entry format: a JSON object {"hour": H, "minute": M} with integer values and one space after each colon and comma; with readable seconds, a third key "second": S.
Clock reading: {"hour": 9, "minute": 18, "second": 5}
